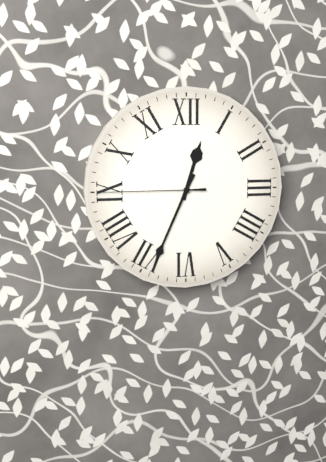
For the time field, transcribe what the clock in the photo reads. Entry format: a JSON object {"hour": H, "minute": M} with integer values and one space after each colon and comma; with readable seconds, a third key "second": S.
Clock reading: {"hour": 12, "minute": 34, "second": 45}
